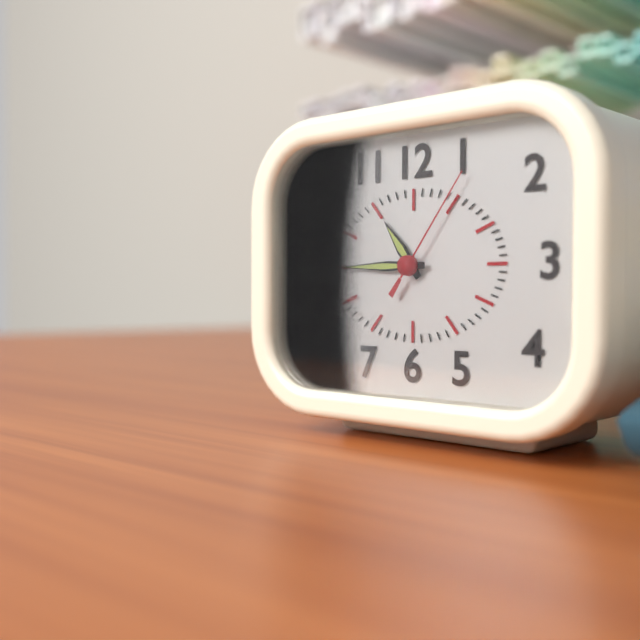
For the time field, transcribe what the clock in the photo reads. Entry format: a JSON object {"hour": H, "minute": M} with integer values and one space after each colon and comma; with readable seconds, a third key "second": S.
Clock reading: {"hour": 10, "minute": 45, "second": 6}
